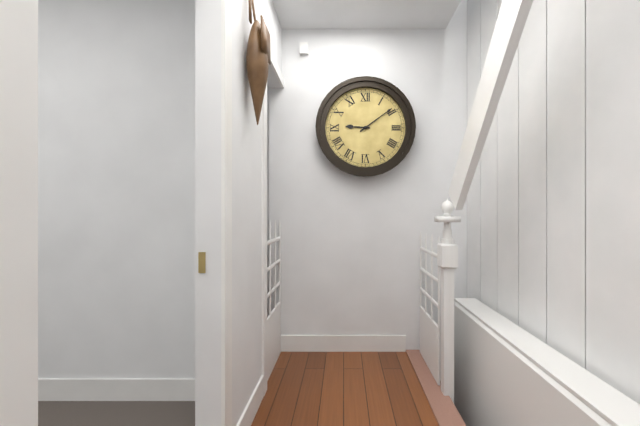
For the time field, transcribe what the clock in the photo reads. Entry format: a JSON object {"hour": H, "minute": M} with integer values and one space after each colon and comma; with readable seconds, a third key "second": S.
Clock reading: {"hour": 9, "minute": 9}
